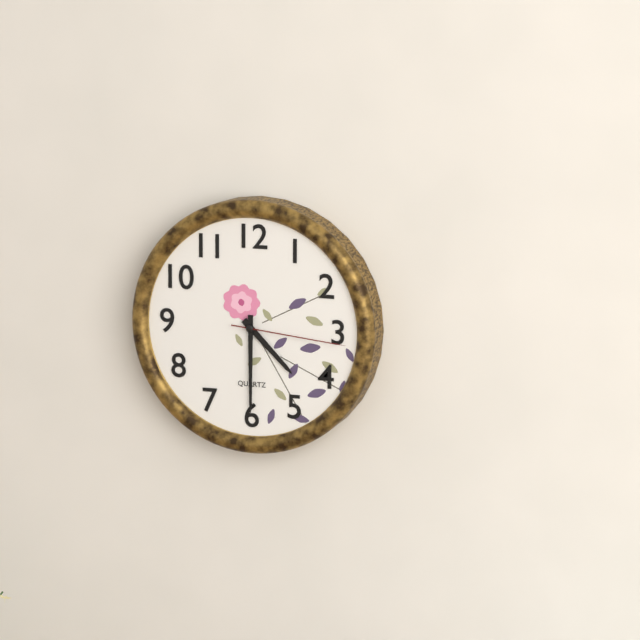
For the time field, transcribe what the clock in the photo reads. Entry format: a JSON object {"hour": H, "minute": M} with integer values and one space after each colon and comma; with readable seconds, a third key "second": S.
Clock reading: {"hour": 4, "minute": 30, "second": 16}
